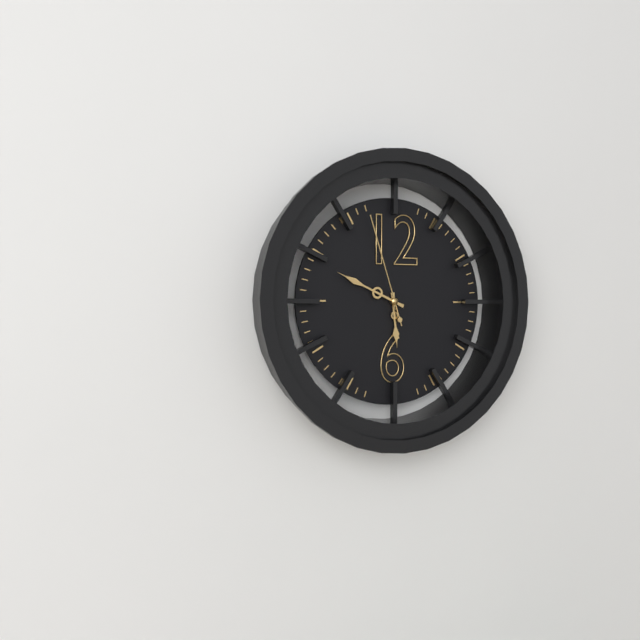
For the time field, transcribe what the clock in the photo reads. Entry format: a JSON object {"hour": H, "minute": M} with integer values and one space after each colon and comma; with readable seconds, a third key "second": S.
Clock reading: {"hour": 5, "minute": 49, "second": 57}
